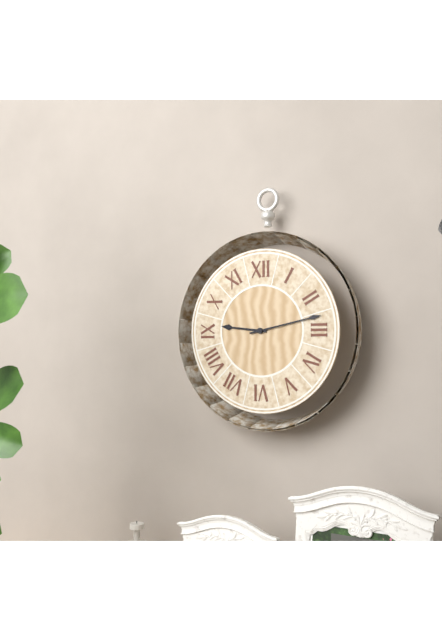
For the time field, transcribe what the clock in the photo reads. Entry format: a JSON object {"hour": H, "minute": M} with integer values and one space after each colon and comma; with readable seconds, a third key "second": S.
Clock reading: {"hour": 9, "minute": 13}
